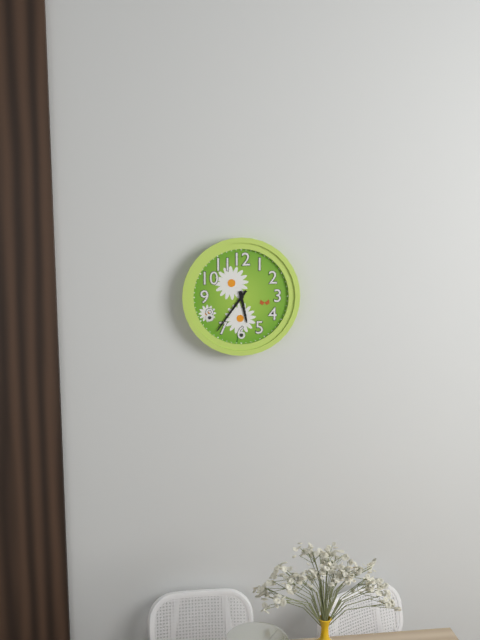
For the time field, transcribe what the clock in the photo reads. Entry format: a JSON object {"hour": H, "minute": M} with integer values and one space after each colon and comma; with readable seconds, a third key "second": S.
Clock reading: {"hour": 5, "minute": 36}
